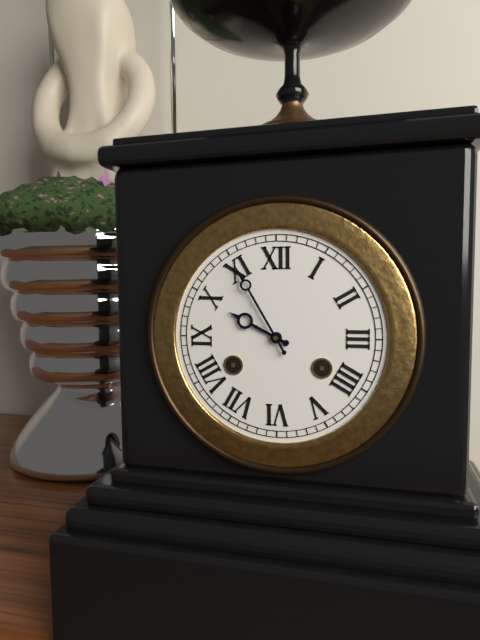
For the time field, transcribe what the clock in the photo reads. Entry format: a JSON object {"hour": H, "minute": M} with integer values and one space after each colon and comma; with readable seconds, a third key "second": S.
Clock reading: {"hour": 9, "minute": 55}
